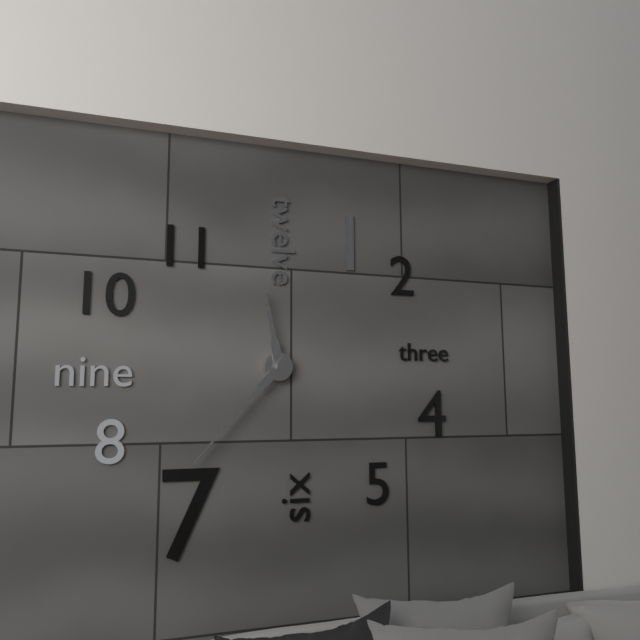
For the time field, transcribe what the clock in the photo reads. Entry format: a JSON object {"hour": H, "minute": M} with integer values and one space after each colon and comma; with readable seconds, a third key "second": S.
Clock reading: {"hour": 11, "minute": 37}
